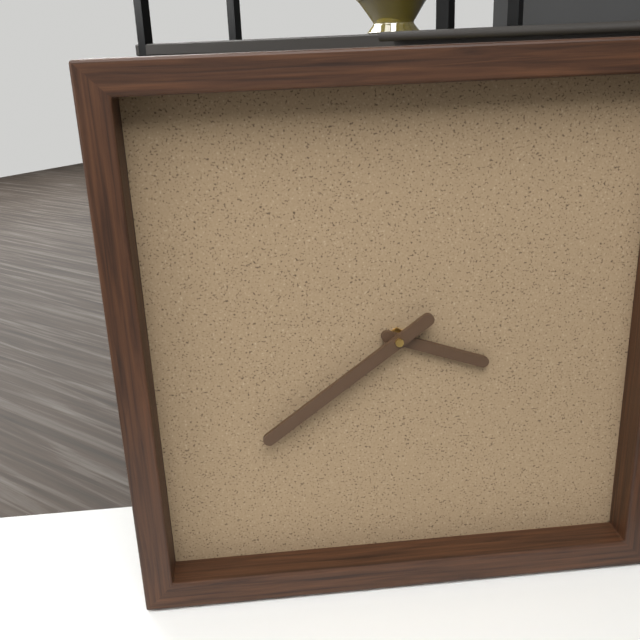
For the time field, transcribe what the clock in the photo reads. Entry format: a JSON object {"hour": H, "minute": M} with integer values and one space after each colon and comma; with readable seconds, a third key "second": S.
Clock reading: {"hour": 3, "minute": 39}
